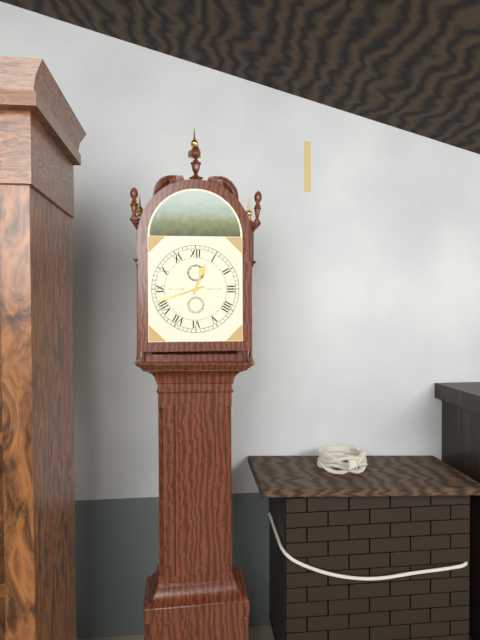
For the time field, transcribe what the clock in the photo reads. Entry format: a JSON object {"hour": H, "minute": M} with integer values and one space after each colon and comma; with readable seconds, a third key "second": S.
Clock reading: {"hour": 12, "minute": 42}
